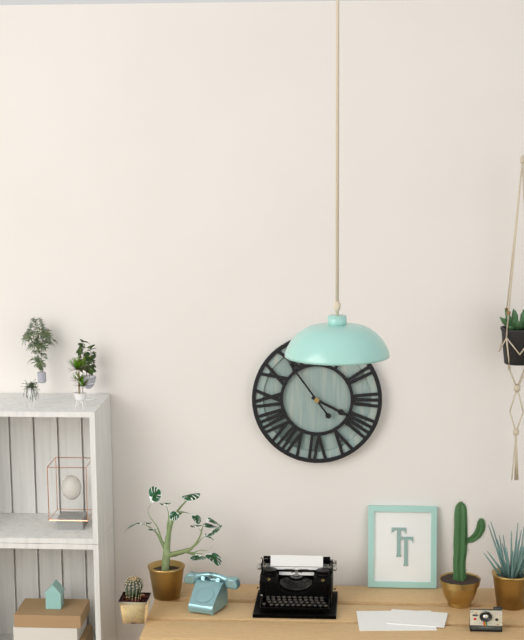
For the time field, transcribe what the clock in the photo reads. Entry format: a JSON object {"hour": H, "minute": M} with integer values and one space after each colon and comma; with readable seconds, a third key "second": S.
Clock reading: {"hour": 3, "minute": 54}
